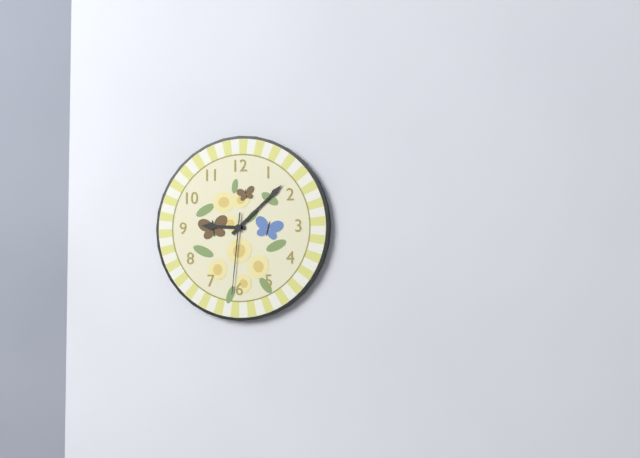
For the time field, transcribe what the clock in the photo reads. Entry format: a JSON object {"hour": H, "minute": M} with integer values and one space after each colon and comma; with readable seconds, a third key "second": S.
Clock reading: {"hour": 9, "minute": 8, "second": 31}
